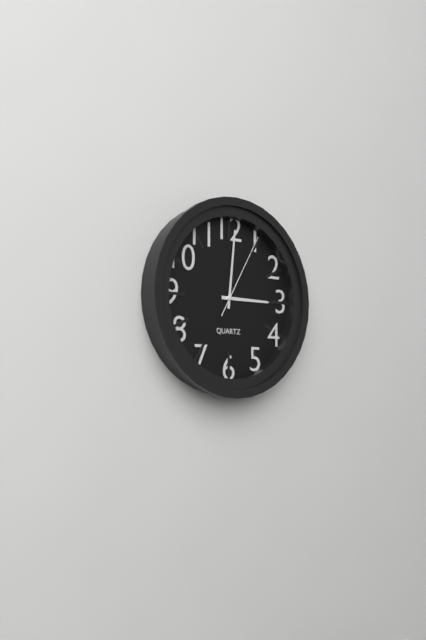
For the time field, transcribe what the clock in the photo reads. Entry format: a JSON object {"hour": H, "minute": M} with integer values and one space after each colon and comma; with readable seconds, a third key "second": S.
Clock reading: {"hour": 3, "minute": 1, "second": 5}
